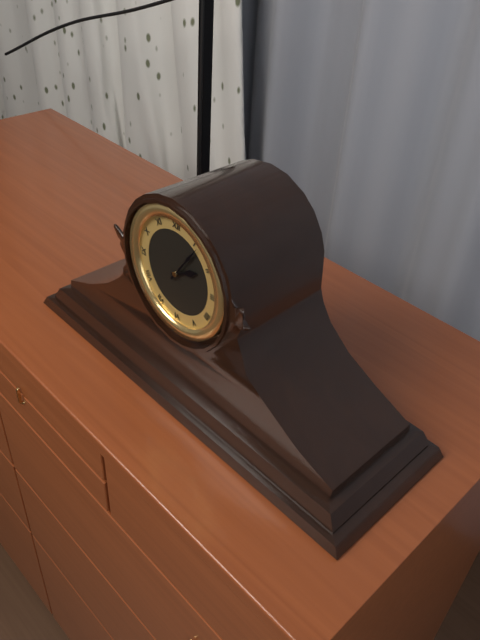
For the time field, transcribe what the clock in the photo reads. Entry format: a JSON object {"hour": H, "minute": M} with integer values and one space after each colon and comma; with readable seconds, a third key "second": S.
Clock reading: {"hour": 2, "minute": 6}
